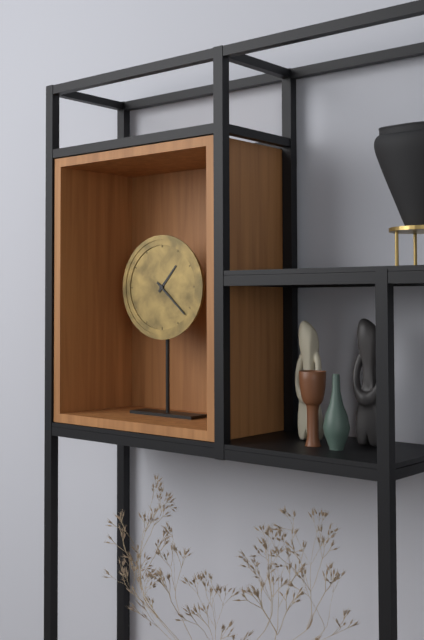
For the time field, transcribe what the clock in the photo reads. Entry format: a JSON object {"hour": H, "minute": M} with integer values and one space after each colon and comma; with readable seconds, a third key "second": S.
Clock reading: {"hour": 1, "minute": 22}
